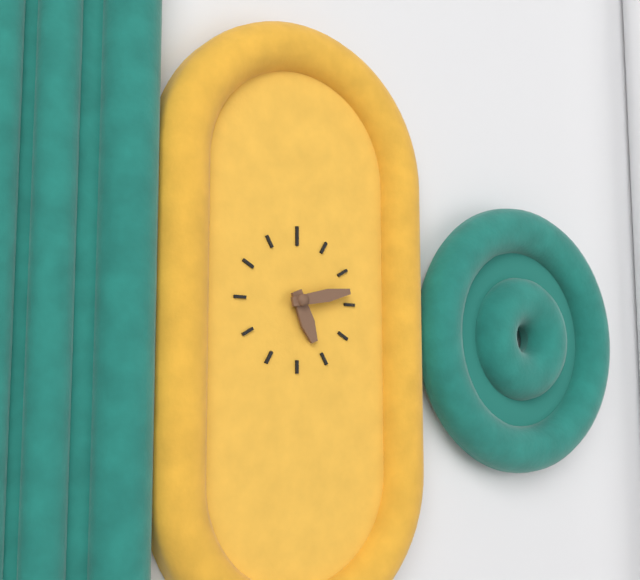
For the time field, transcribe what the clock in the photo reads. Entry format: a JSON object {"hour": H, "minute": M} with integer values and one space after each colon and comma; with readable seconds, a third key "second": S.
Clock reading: {"hour": 5, "minute": 13}
